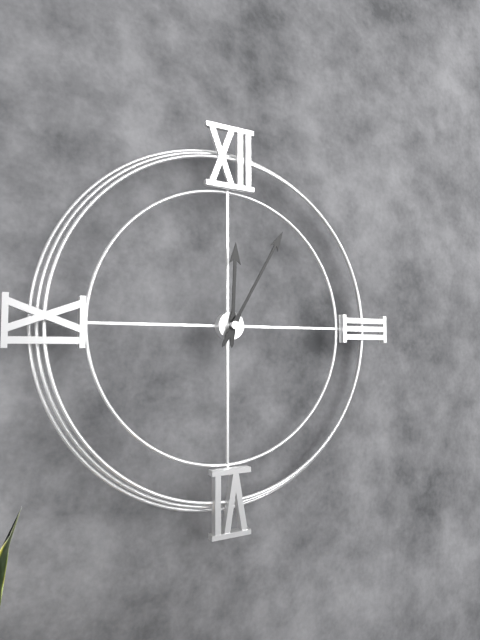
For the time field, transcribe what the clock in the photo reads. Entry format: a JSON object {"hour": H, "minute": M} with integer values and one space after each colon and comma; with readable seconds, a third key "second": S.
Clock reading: {"hour": 12, "minute": 5}
